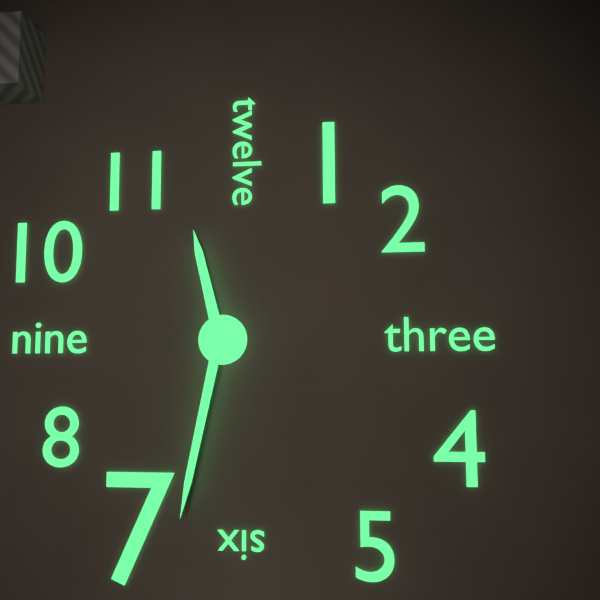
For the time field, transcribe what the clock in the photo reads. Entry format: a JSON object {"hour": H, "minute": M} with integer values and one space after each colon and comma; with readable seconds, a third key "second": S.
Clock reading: {"hour": 11, "minute": 32}
